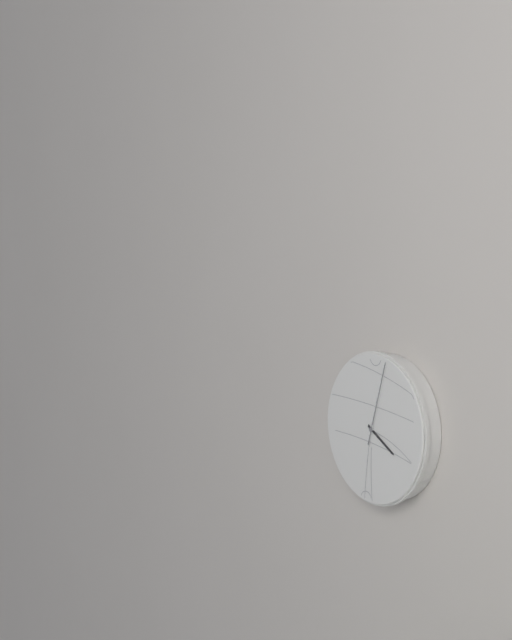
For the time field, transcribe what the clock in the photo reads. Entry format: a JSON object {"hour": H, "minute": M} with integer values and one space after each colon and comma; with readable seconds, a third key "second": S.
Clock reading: {"hour": 4, "minute": 3}
